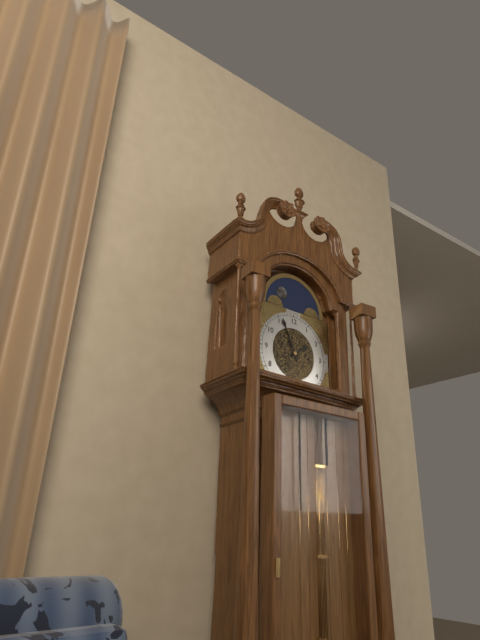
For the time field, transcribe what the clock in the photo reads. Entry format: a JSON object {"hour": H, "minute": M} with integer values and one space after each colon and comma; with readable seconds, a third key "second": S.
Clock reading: {"hour": 1, "minute": 56}
